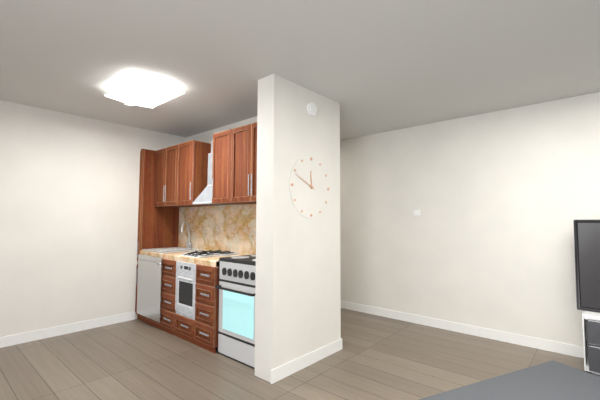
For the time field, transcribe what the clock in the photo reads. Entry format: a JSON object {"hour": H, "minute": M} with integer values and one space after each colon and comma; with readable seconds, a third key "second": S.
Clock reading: {"hour": 11, "minute": 49}
